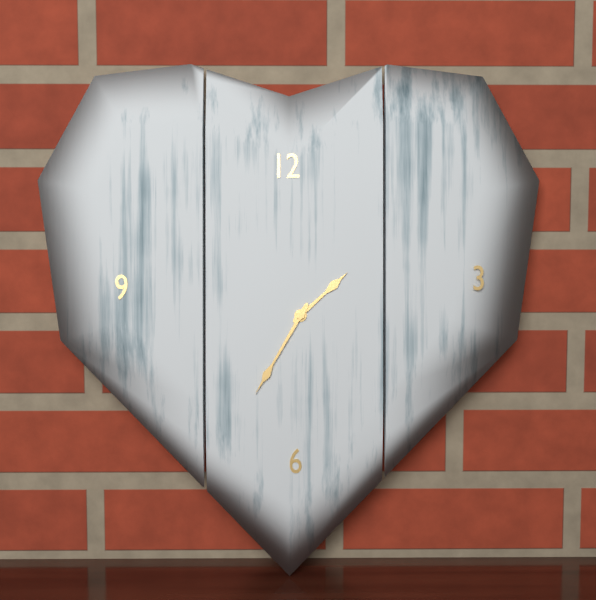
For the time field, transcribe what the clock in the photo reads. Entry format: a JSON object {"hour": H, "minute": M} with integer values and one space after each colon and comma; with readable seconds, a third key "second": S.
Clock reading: {"hour": 1, "minute": 35}
